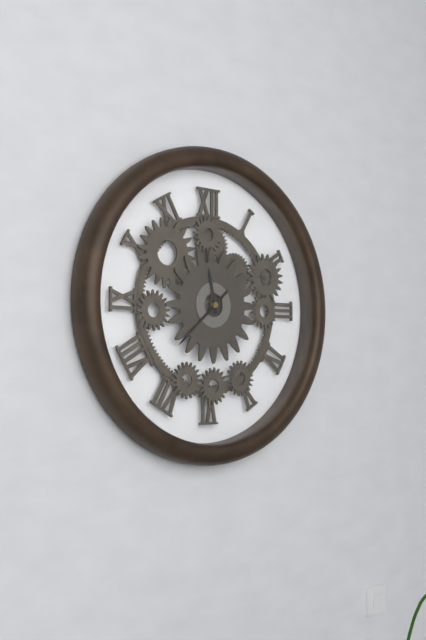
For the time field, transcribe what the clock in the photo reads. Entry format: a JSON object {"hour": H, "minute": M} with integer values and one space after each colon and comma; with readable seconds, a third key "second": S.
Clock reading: {"hour": 11, "minute": 38}
